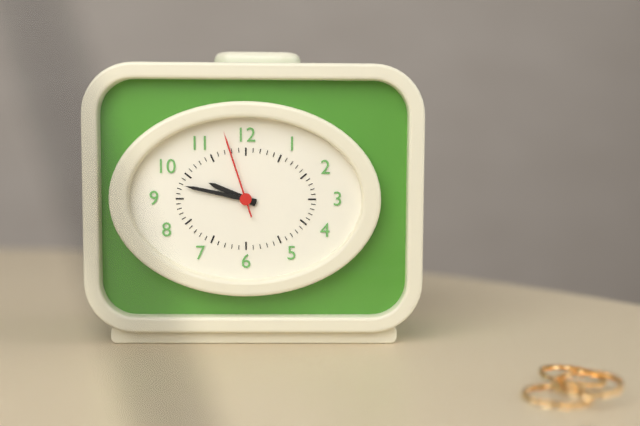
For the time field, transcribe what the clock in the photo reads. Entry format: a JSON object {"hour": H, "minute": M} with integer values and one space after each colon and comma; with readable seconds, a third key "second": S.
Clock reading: {"hour": 9, "minute": 47, "second": 57}
